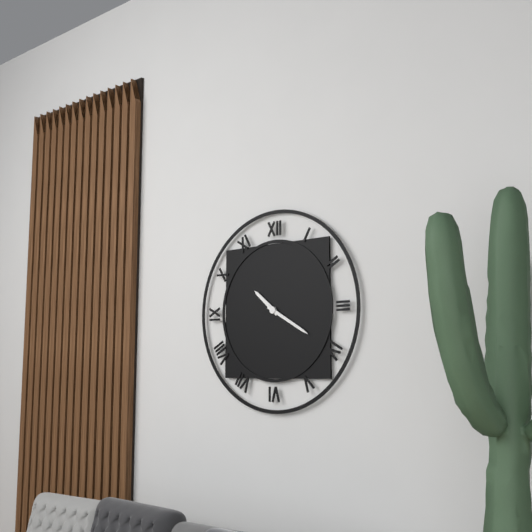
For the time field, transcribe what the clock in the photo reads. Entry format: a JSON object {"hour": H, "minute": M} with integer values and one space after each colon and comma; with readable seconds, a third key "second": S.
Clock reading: {"hour": 10, "minute": 20}
